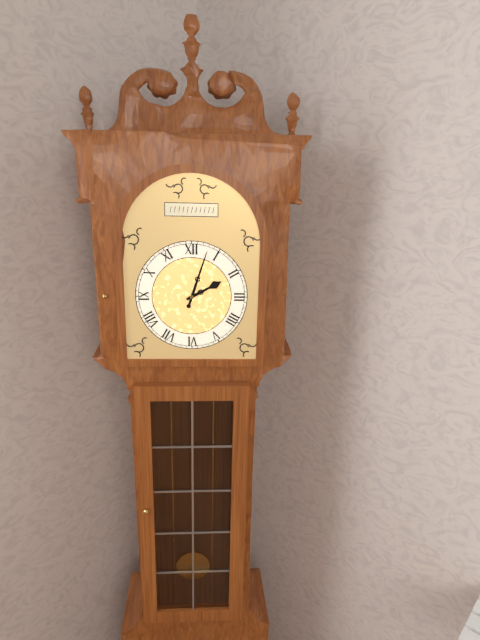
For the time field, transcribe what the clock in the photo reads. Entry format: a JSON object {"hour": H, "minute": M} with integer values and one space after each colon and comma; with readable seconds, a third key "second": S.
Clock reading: {"hour": 2, "minute": 3}
